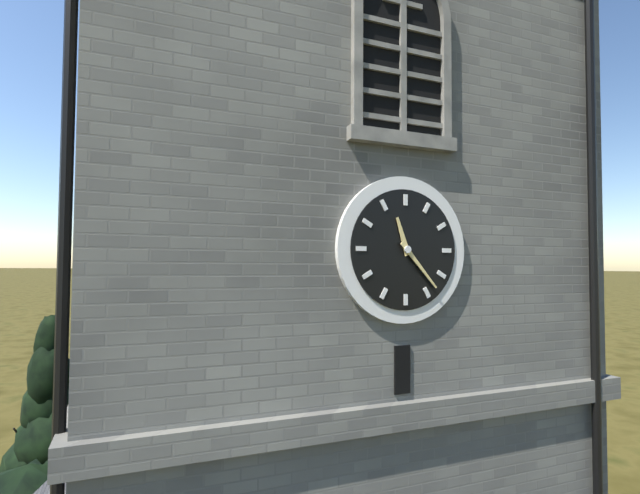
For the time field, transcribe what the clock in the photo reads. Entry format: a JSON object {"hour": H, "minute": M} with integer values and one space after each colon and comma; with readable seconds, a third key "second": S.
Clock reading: {"hour": 11, "minute": 23}
